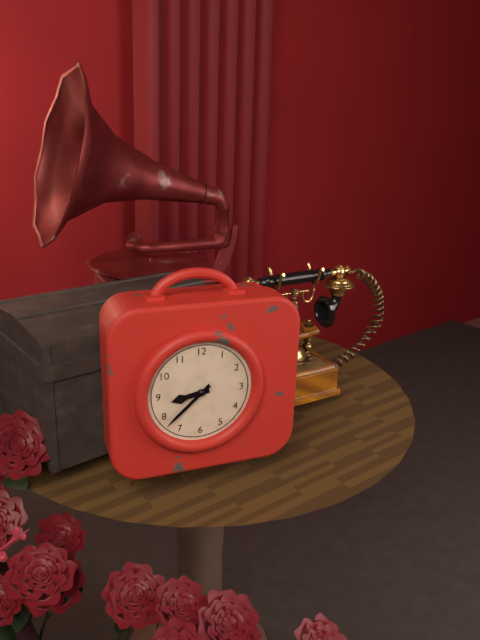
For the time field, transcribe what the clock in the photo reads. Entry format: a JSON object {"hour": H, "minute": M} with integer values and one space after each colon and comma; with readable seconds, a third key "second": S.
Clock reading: {"hour": 8, "minute": 38}
